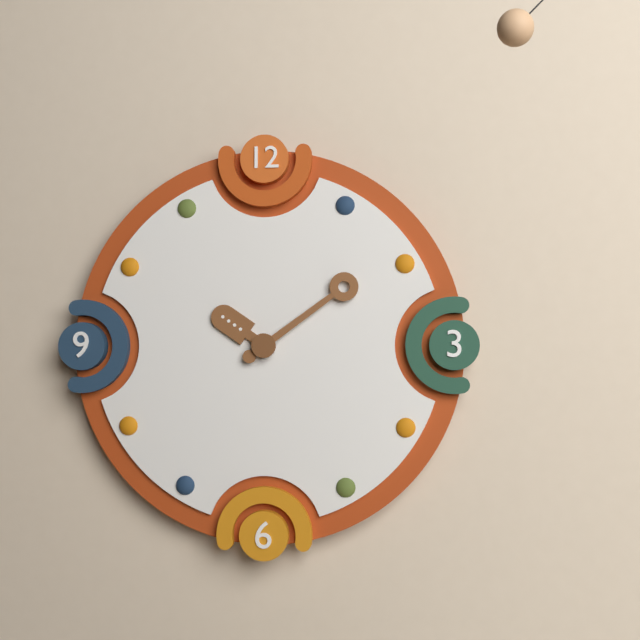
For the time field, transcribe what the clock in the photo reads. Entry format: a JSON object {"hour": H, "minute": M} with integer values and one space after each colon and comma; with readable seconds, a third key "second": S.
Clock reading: {"hour": 10, "minute": 9}
